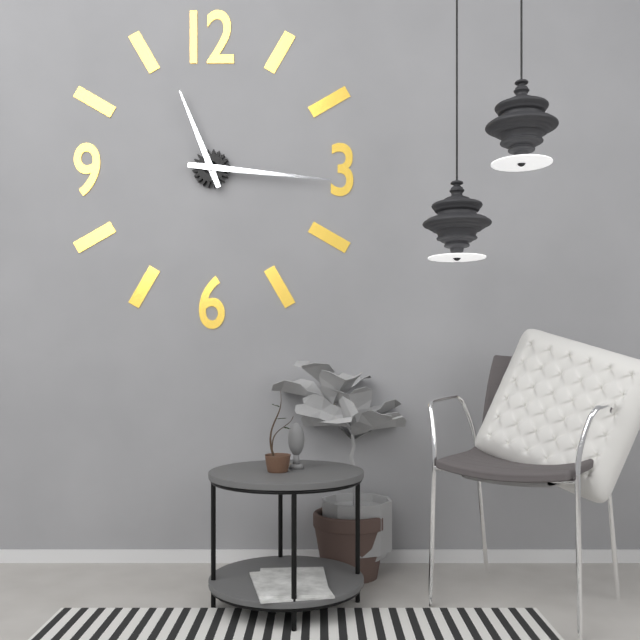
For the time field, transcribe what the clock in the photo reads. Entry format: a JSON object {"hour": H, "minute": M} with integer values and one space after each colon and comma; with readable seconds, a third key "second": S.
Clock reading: {"hour": 11, "minute": 16}
